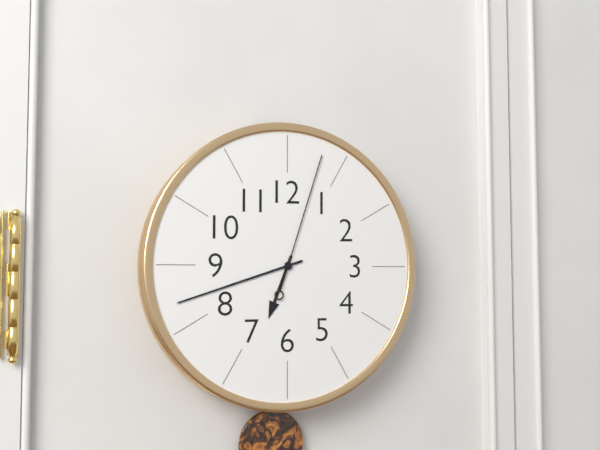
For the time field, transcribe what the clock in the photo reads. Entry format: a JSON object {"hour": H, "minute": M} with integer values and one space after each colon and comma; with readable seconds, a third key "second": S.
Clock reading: {"hour": 6, "minute": 42, "second": 3}
